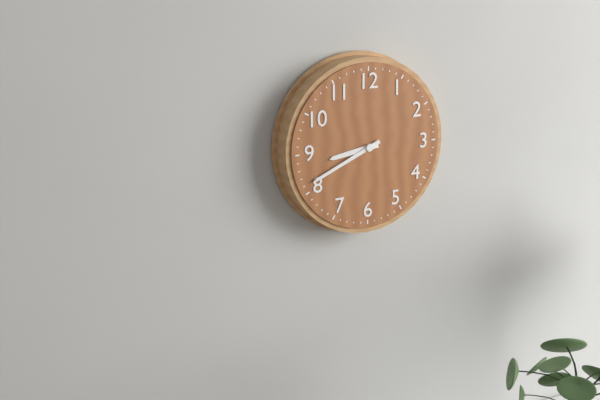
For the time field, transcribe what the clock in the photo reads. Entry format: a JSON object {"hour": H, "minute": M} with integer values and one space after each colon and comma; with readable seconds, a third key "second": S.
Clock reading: {"hour": 8, "minute": 41}
